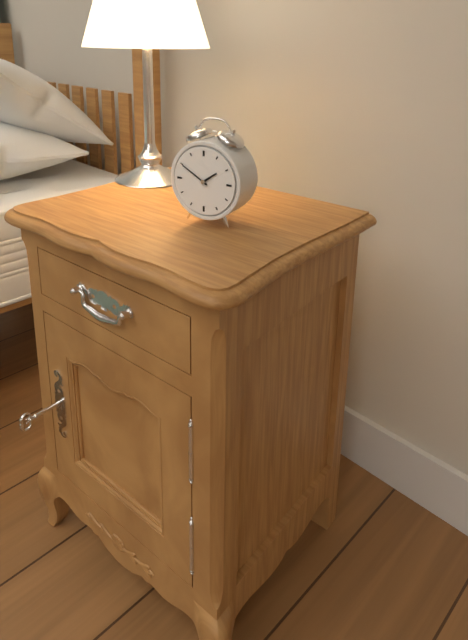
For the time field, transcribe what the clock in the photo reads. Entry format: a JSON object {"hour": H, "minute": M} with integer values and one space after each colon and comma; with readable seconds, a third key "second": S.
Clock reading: {"hour": 1, "minute": 50}
